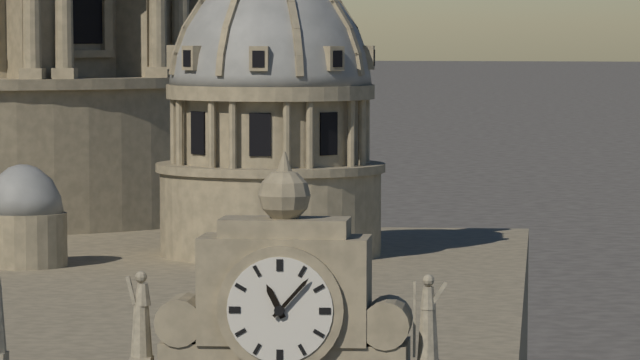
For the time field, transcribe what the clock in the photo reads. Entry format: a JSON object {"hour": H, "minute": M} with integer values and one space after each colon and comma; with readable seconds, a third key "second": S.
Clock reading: {"hour": 11, "minute": 7}
